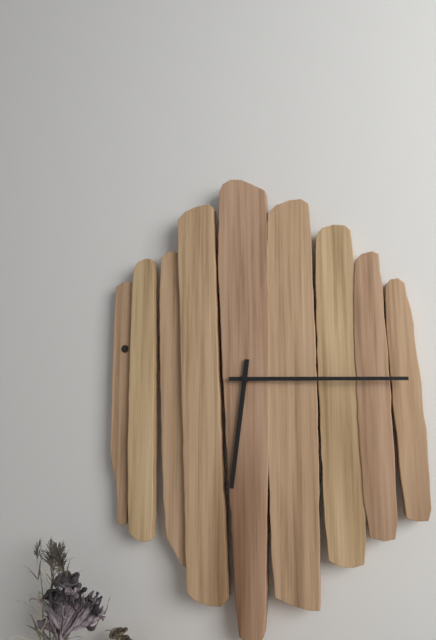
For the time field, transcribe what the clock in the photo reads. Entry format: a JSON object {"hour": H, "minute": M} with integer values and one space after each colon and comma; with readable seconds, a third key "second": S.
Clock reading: {"hour": 6, "minute": 15}
